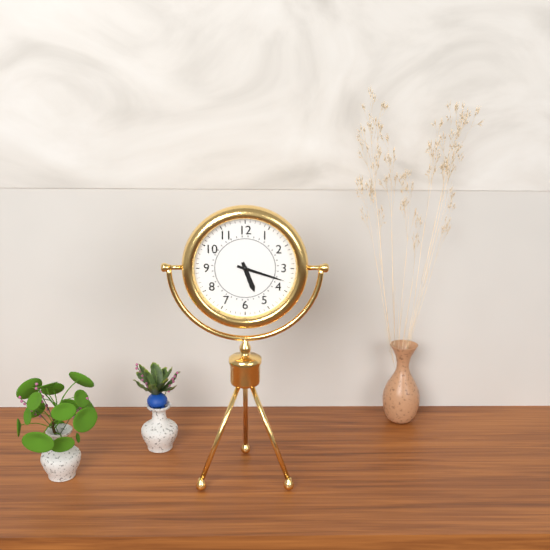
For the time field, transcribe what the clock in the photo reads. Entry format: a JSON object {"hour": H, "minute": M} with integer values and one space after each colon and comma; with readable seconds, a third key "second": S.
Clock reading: {"hour": 5, "minute": 18}
